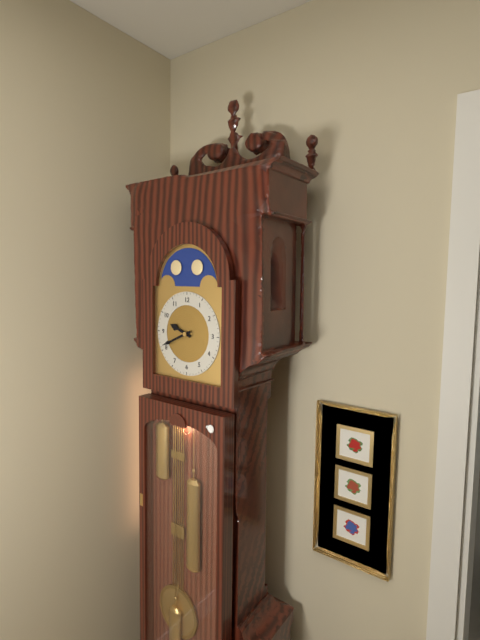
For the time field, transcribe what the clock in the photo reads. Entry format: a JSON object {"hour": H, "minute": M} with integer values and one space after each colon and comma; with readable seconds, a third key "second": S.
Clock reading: {"hour": 9, "minute": 41}
